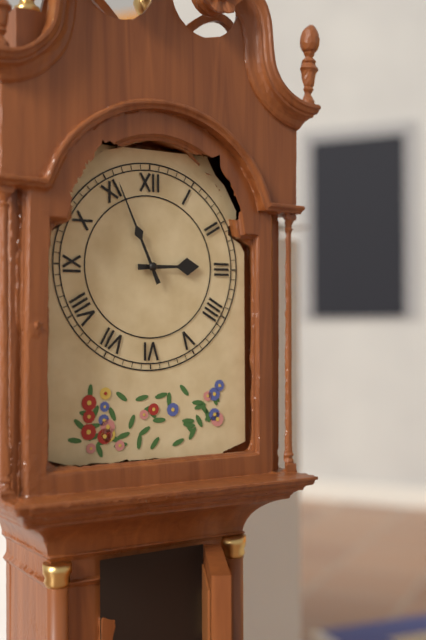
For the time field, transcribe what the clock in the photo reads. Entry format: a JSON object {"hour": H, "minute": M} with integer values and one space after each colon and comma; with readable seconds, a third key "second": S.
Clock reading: {"hour": 2, "minute": 56}
